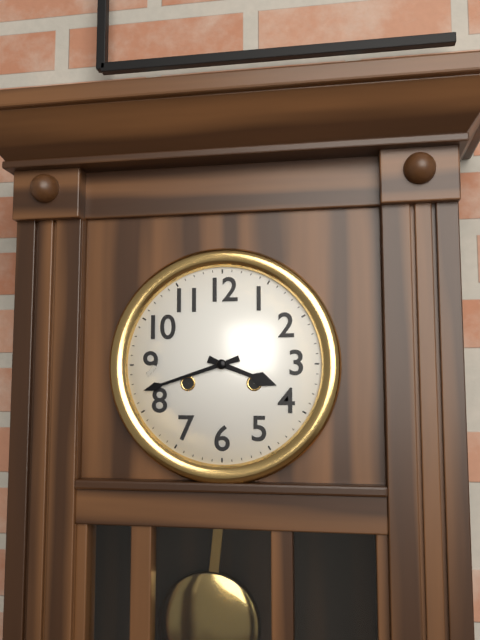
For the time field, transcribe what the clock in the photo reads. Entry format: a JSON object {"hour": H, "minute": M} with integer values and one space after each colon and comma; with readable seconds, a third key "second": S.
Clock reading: {"hour": 3, "minute": 42}
